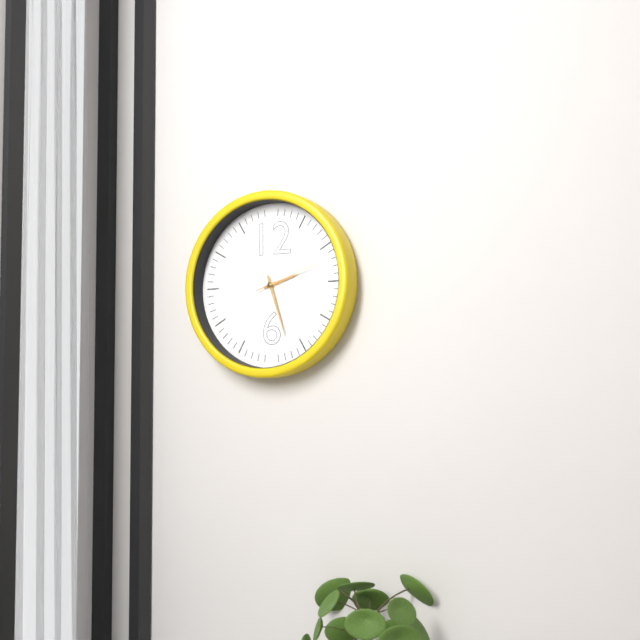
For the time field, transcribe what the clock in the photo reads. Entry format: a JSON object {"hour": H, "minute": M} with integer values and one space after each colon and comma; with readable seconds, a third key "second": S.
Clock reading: {"hour": 2, "minute": 27, "second": 12}
